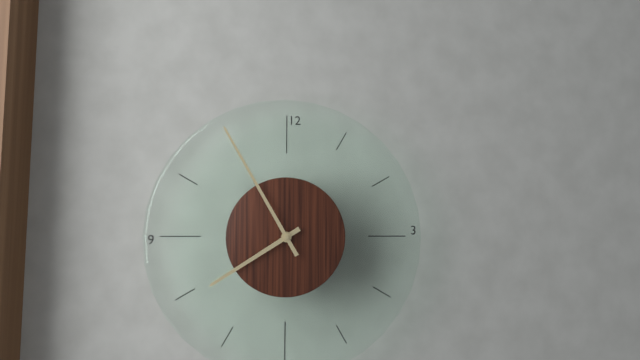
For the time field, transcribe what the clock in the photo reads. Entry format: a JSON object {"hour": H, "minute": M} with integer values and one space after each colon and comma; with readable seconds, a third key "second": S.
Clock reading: {"hour": 7, "minute": 55}
